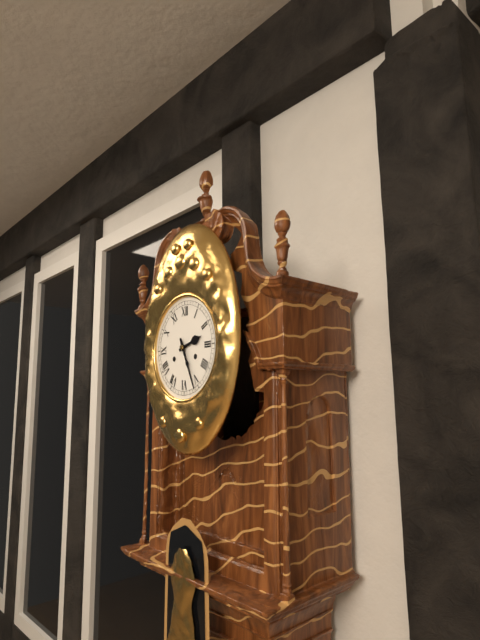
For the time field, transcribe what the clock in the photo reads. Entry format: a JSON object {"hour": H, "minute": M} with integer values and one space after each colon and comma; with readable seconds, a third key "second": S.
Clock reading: {"hour": 2, "minute": 26}
